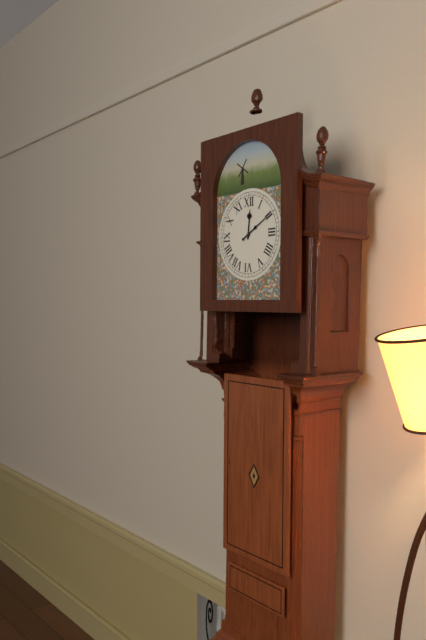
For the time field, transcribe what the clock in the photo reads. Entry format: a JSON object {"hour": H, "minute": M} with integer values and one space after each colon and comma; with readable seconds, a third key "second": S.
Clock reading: {"hour": 12, "minute": 10}
